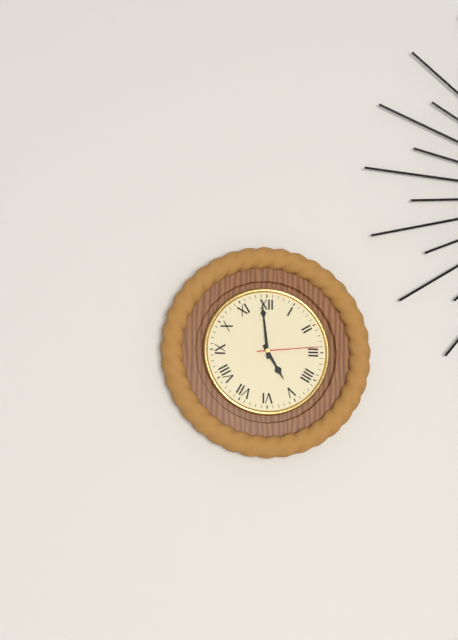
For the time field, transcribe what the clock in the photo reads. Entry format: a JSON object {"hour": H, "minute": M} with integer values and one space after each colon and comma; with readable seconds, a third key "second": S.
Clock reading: {"hour": 4, "minute": 59, "second": 14}
